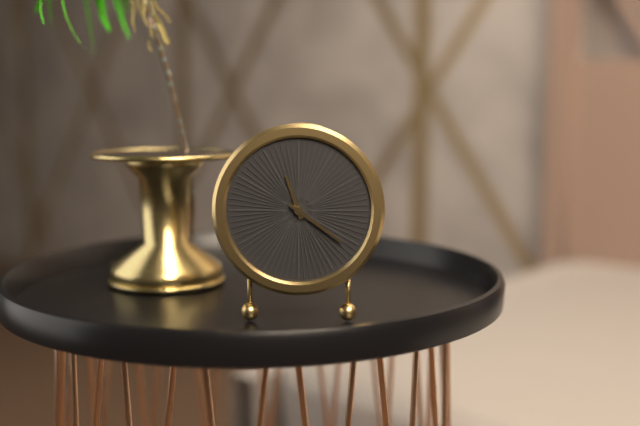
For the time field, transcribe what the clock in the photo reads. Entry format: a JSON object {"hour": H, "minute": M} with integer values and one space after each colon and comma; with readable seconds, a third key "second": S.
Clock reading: {"hour": 11, "minute": 21}
